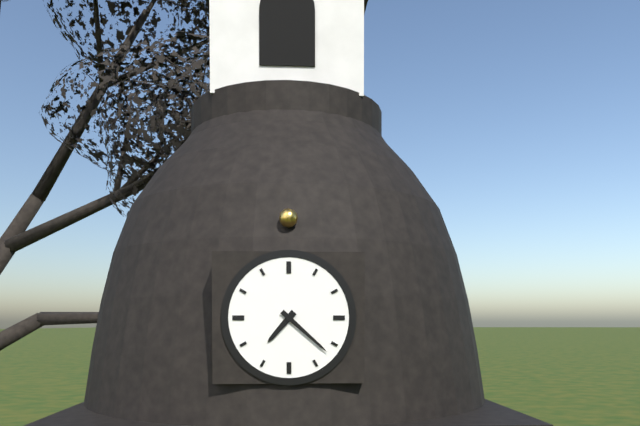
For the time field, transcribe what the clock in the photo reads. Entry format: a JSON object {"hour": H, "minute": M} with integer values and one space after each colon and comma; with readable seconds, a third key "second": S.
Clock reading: {"hour": 7, "minute": 22}
